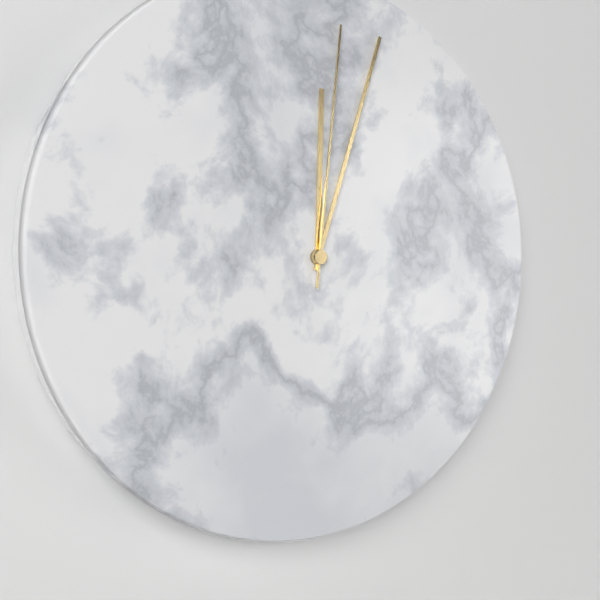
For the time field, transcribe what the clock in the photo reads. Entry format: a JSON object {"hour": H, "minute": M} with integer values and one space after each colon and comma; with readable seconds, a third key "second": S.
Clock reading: {"hour": 12, "minute": 3, "second": 1}
